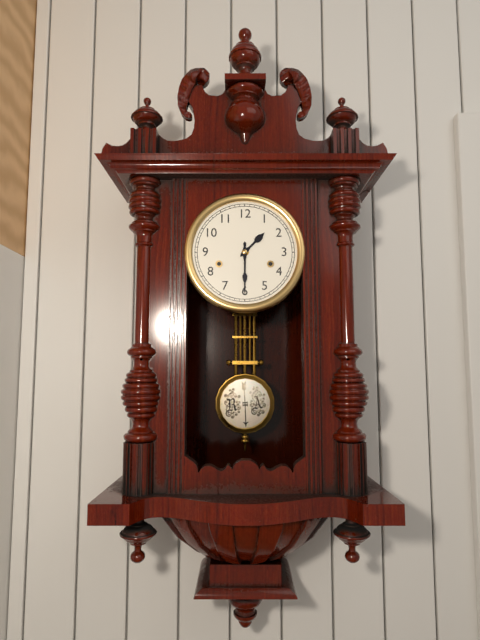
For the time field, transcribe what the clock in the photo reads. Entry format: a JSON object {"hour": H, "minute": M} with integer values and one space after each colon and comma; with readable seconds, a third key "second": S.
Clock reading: {"hour": 1, "minute": 30}
